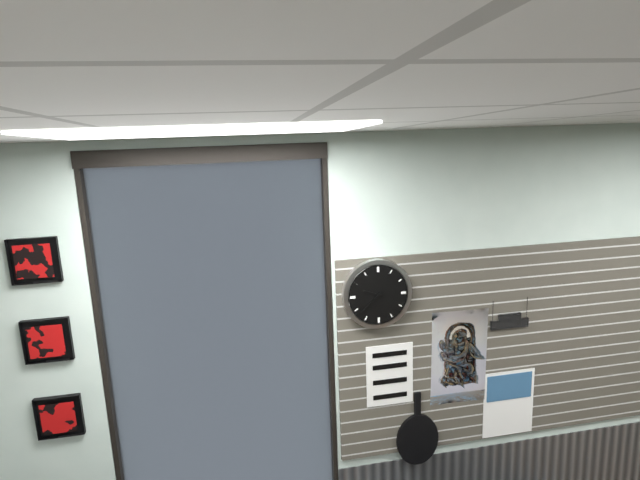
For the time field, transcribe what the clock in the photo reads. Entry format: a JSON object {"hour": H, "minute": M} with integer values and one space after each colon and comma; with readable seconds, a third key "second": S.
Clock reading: {"hour": 9, "minute": 38}
